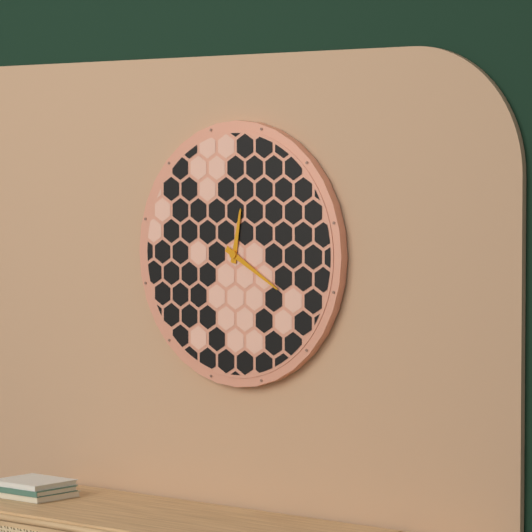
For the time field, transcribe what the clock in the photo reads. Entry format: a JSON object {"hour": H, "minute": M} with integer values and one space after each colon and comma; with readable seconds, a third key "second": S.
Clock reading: {"hour": 12, "minute": 20}
